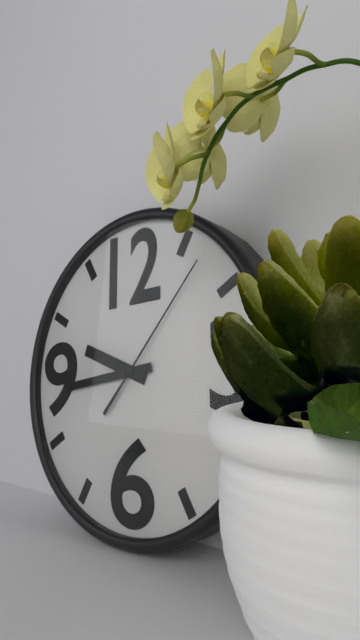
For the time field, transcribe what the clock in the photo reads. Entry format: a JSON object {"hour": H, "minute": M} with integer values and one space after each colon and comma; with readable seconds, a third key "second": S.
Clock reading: {"hour": 9, "minute": 44, "second": 7}
